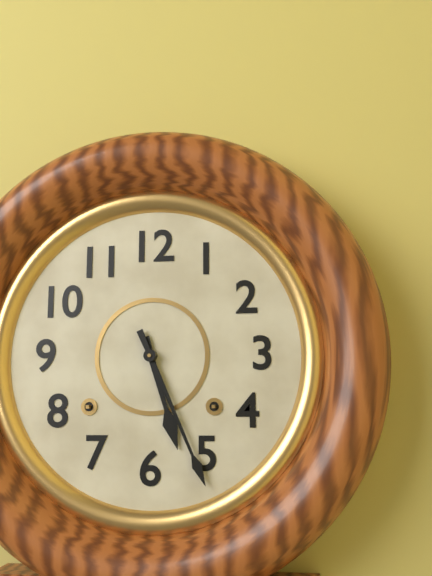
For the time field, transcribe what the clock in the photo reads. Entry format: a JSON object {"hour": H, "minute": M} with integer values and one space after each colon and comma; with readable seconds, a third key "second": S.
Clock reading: {"hour": 5, "minute": 26}
